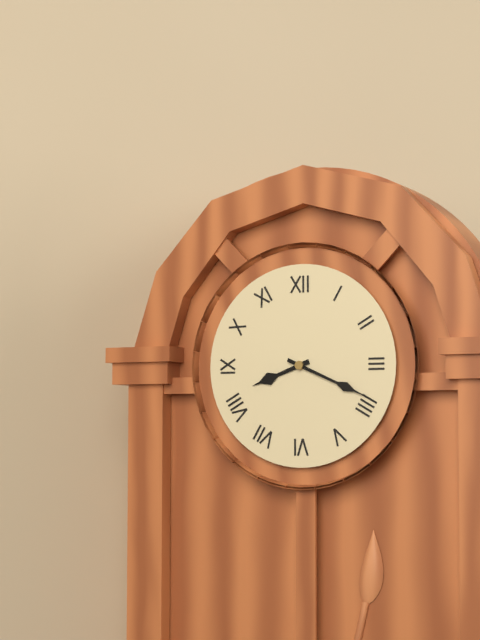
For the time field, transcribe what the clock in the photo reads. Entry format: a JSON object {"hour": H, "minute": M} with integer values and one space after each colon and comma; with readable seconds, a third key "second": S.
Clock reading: {"hour": 8, "minute": 19}
